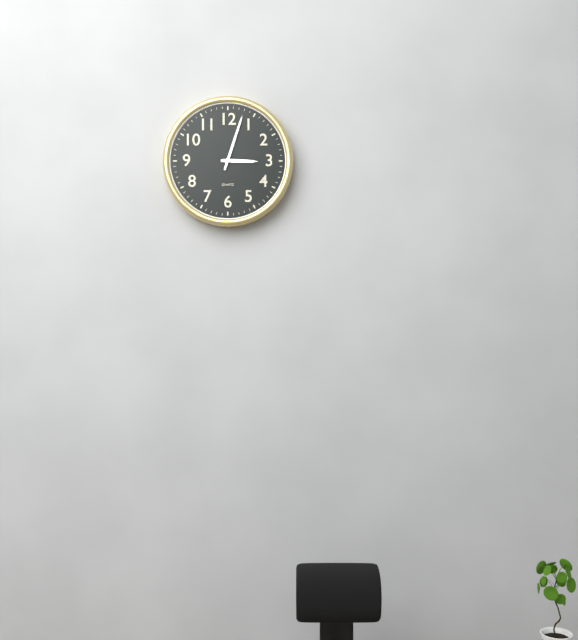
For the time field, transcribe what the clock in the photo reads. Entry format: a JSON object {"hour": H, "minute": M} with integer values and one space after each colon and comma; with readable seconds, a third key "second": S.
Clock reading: {"hour": 3, "minute": 3}
